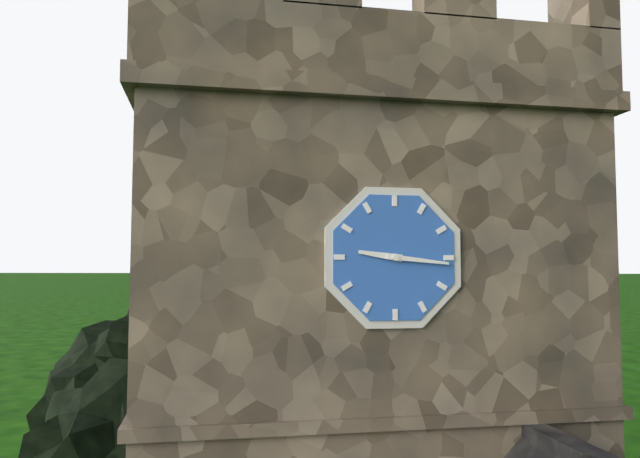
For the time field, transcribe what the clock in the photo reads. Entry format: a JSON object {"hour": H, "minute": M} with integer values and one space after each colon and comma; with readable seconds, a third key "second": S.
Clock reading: {"hour": 9, "minute": 16}
